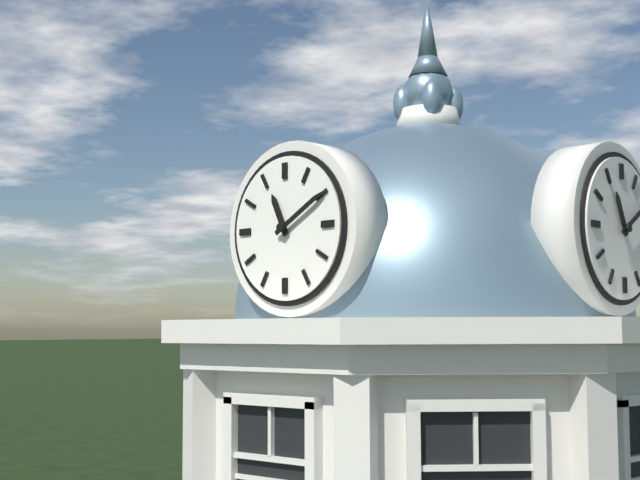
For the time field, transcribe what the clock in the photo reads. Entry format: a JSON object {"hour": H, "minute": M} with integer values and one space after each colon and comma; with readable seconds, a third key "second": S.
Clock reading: {"hour": 11, "minute": 10}
